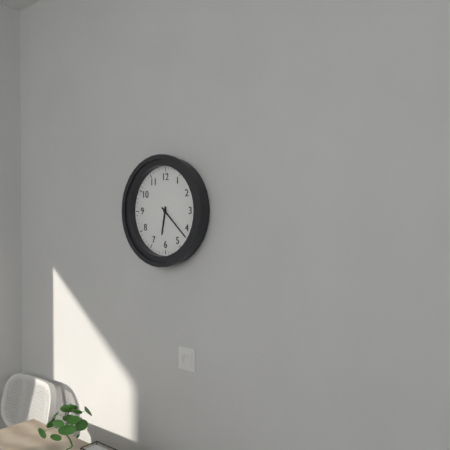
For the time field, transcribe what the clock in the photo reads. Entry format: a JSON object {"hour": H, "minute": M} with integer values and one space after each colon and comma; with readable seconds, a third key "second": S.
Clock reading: {"hour": 6, "minute": 22}
